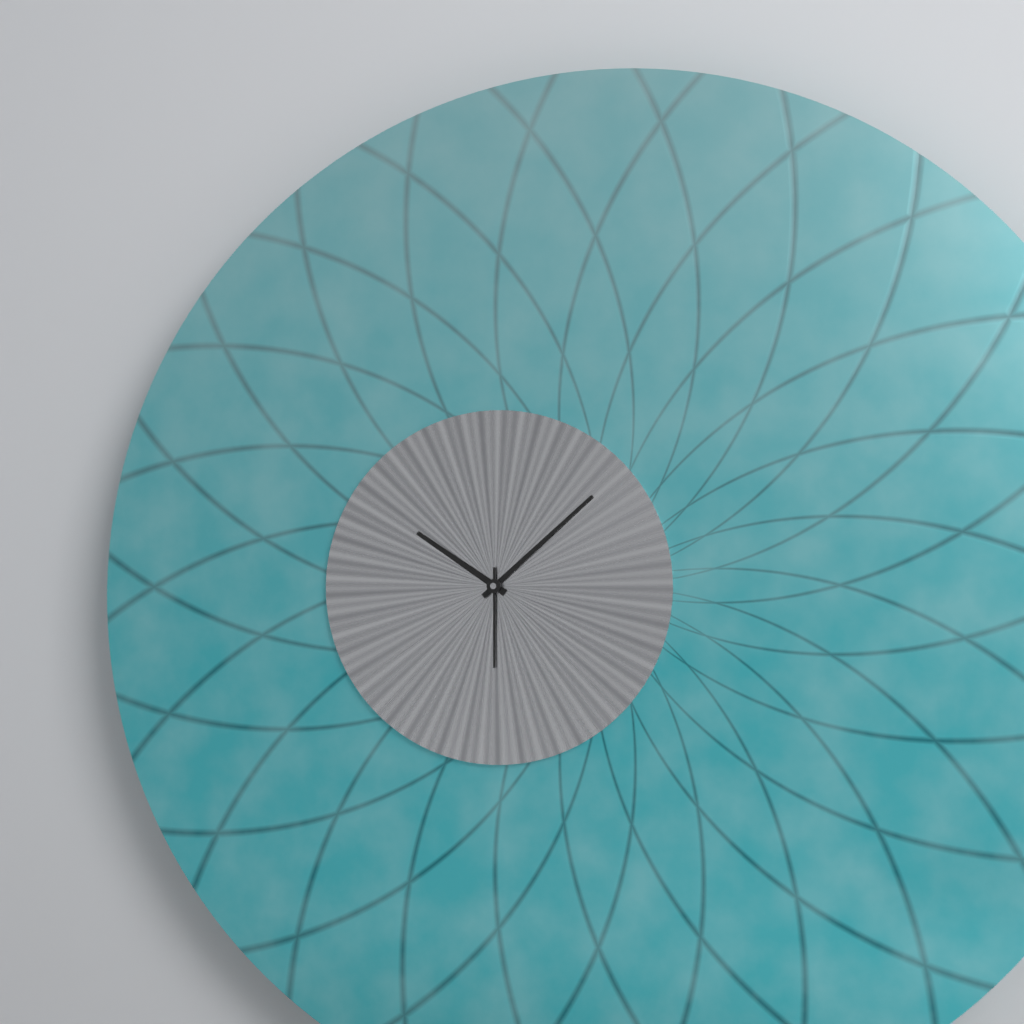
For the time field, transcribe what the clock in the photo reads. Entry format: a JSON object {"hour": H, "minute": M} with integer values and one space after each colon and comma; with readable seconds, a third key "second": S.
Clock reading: {"hour": 10, "minute": 8, "second": 30}
